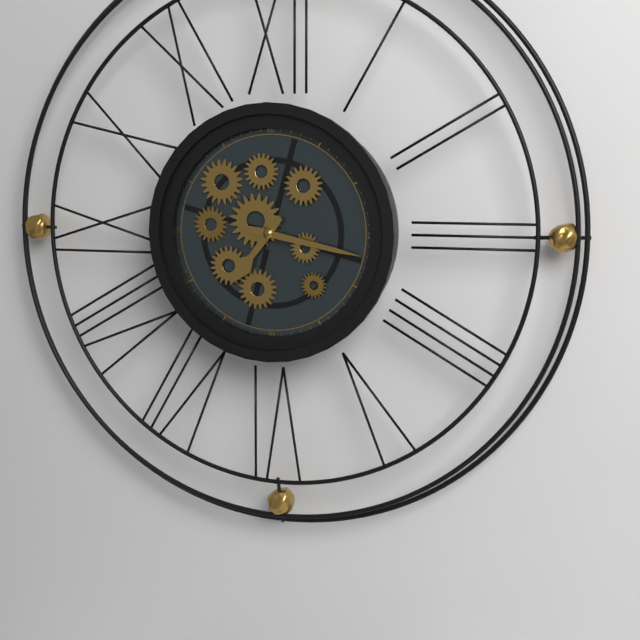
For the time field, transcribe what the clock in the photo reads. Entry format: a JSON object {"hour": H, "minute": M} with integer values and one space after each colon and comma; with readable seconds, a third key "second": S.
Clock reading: {"hour": 7, "minute": 17}
